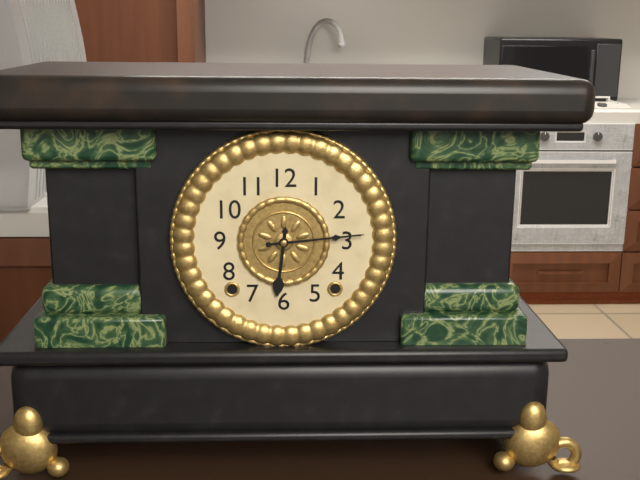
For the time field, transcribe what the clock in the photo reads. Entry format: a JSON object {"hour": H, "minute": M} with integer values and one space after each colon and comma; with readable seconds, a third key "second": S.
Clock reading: {"hour": 6, "minute": 14}
